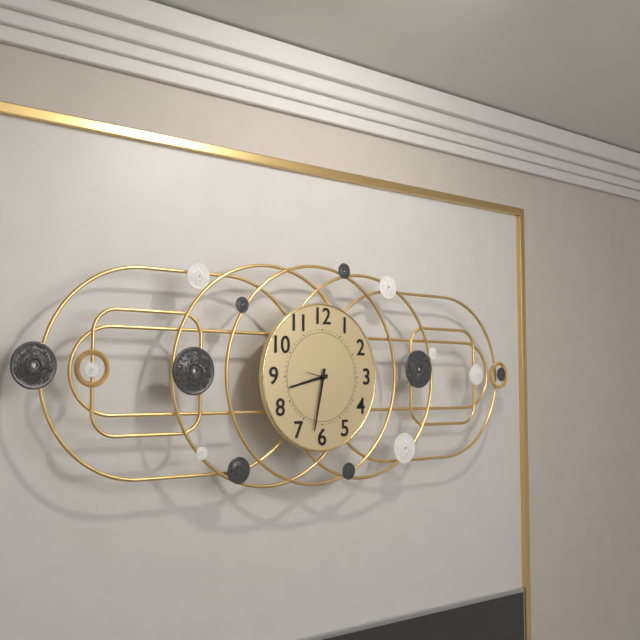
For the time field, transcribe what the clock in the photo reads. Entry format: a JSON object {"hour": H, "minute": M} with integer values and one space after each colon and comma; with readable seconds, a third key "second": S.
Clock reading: {"hour": 8, "minute": 32}
